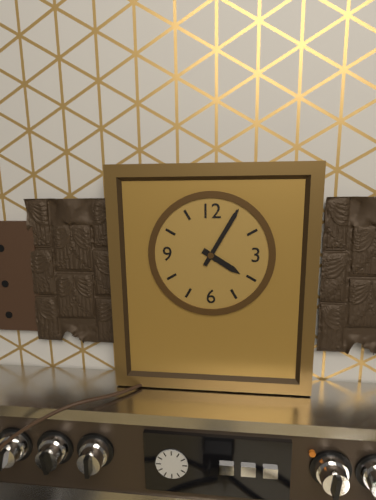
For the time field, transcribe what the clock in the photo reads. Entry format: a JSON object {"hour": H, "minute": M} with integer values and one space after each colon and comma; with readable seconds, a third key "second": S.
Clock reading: {"hour": 4, "minute": 5}
